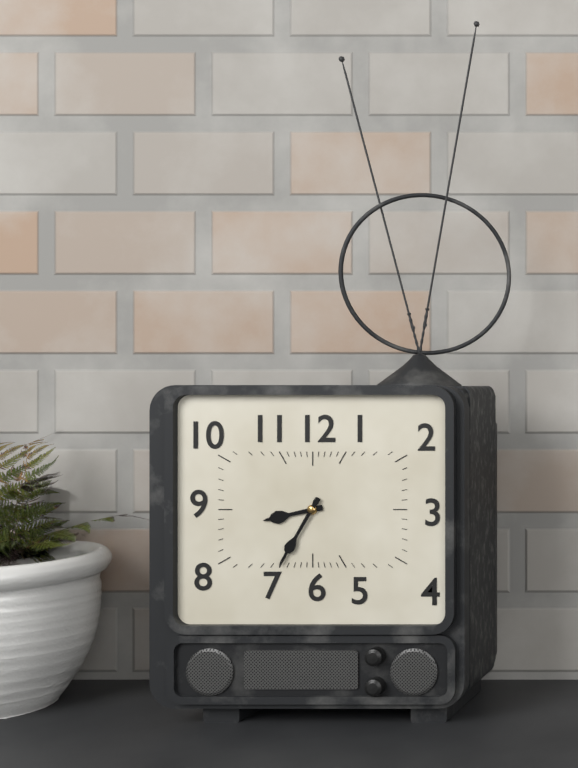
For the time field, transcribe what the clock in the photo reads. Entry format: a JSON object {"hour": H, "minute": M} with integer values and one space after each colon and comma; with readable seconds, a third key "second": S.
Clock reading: {"hour": 8, "minute": 35}
